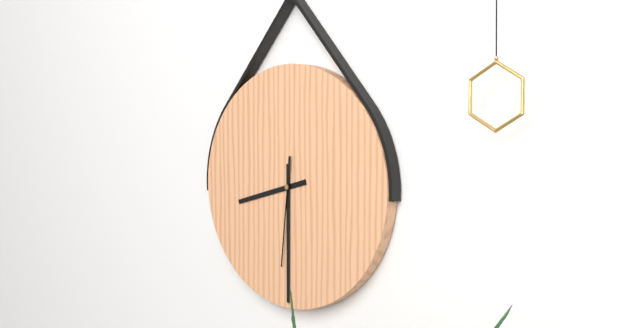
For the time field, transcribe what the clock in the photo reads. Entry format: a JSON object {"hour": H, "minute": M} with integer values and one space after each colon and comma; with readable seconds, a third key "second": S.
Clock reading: {"hour": 8, "minute": 30, "second": 31}
